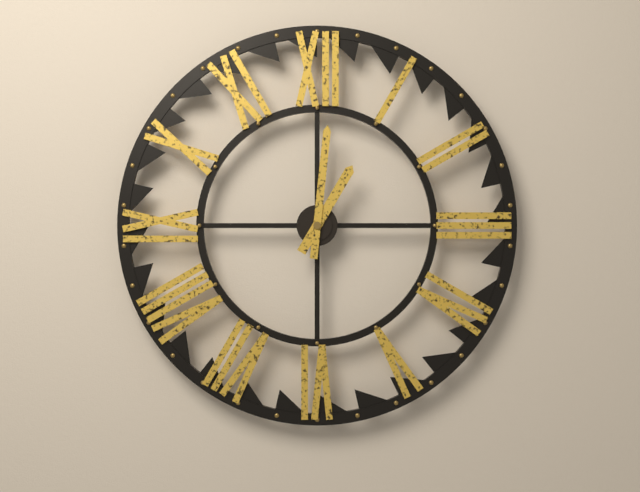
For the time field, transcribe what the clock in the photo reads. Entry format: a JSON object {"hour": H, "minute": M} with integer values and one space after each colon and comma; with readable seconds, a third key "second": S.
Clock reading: {"hour": 1, "minute": 1}
